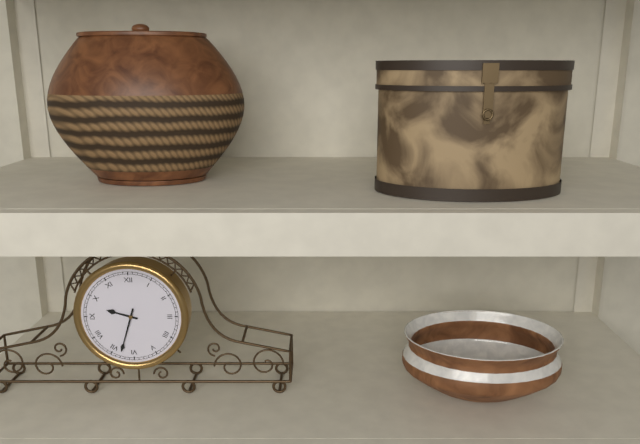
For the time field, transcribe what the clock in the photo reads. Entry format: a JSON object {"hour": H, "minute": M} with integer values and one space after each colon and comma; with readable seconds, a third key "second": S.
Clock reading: {"hour": 9, "minute": 33}
